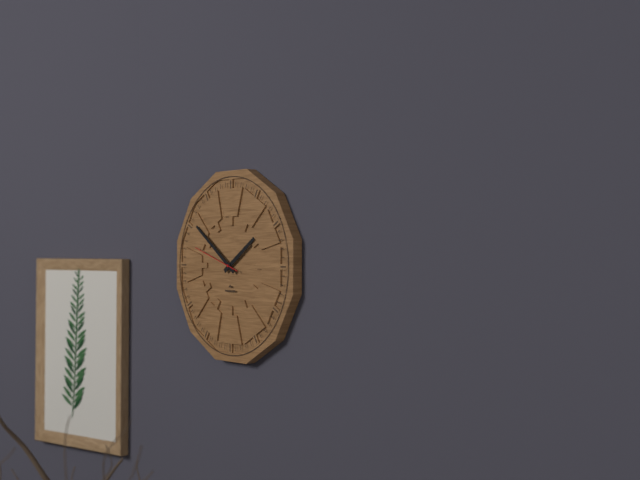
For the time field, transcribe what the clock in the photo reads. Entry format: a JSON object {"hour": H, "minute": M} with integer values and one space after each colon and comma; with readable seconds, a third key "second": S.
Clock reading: {"hour": 1, "minute": 51}
